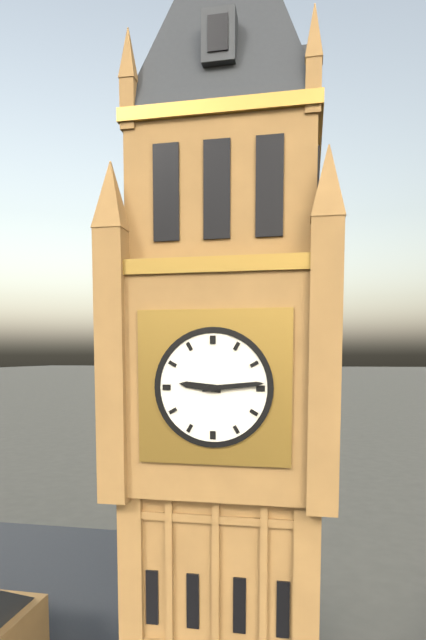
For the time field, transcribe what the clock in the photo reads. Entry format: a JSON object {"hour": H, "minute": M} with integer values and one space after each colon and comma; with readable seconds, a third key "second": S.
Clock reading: {"hour": 9, "minute": 14}
